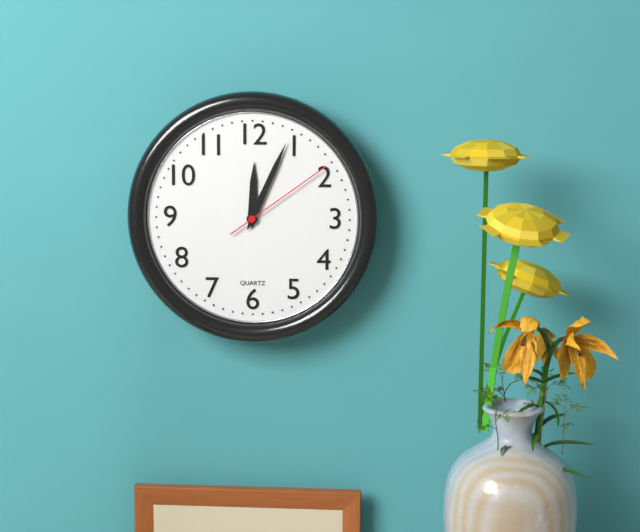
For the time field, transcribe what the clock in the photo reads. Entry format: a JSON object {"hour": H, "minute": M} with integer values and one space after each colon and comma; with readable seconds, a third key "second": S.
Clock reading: {"hour": 12, "minute": 4, "second": 9}
